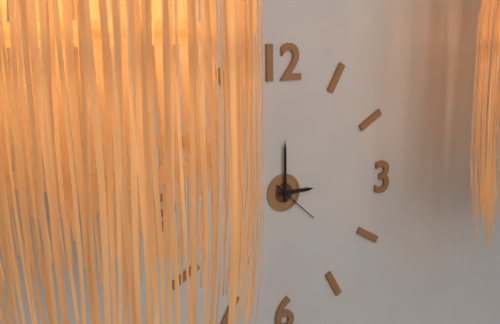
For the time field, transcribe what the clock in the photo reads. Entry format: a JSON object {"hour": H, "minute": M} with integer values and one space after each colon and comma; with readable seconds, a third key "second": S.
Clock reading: {"hour": 3, "minute": 0}
